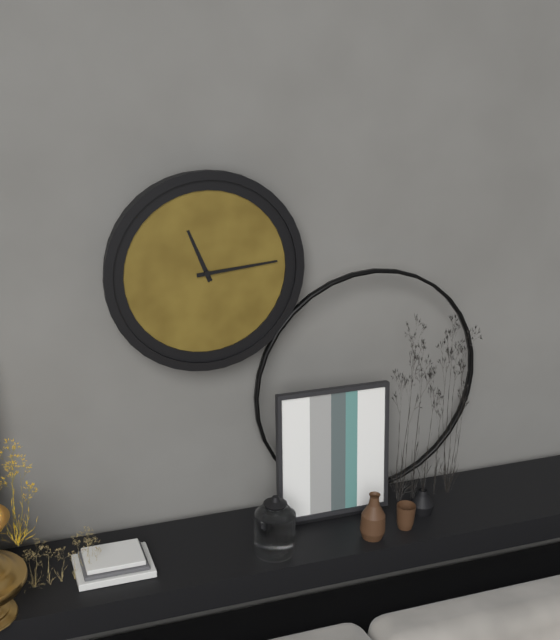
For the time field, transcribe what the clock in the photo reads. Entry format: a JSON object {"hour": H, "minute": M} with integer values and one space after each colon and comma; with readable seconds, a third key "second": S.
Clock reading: {"hour": 11, "minute": 14}
